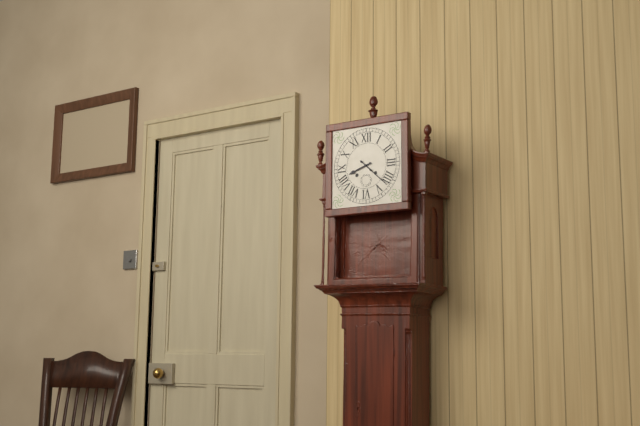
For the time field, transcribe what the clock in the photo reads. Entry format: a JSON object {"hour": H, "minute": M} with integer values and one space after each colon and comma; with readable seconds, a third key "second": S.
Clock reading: {"hour": 8, "minute": 22}
